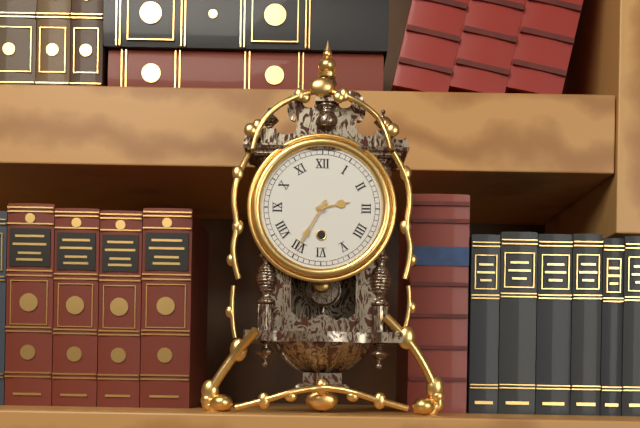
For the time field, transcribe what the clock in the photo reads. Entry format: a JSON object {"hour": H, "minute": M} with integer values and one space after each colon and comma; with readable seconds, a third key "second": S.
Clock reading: {"hour": 2, "minute": 35}
